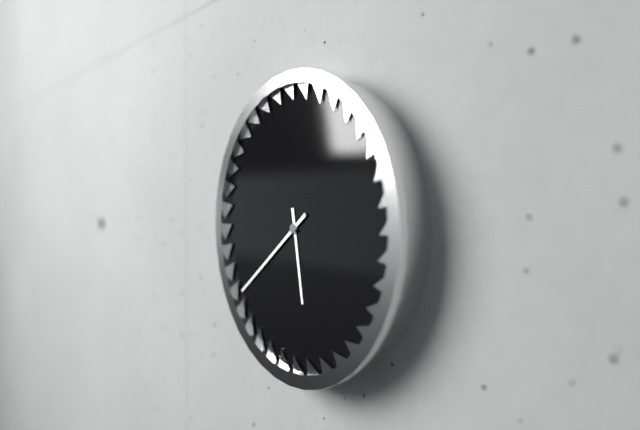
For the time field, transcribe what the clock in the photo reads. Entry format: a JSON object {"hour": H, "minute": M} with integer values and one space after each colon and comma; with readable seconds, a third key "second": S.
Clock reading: {"hour": 5, "minute": 39}
